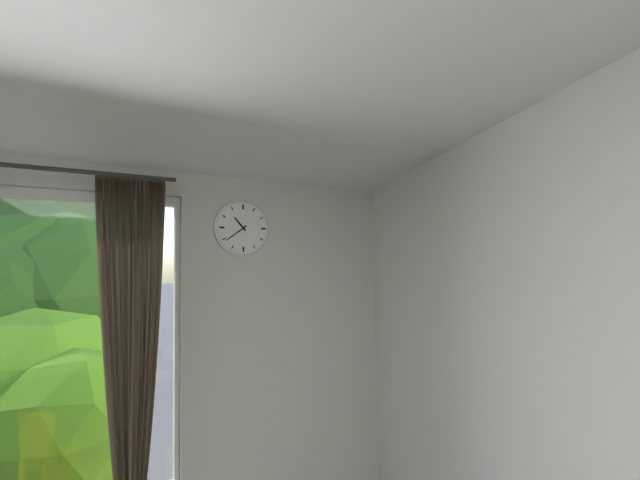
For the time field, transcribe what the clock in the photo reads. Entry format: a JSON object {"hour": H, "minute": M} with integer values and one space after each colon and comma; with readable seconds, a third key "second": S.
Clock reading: {"hour": 10, "minute": 39}
